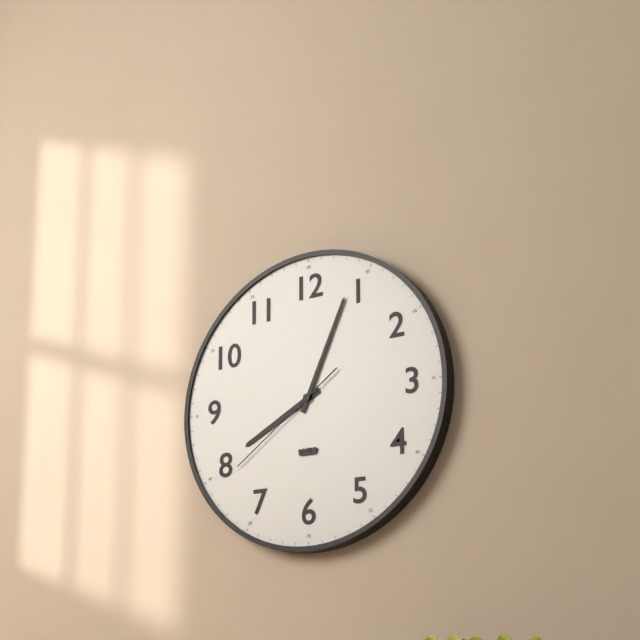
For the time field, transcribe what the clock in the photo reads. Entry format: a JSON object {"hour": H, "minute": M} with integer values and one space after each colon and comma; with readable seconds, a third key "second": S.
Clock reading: {"hour": 8, "minute": 4, "second": 39}
